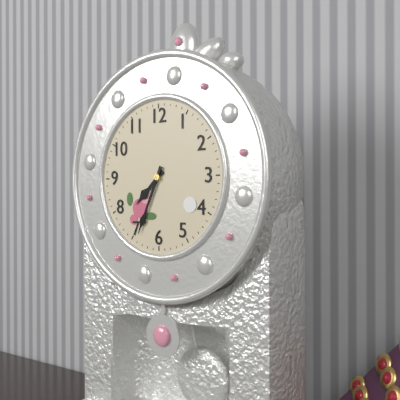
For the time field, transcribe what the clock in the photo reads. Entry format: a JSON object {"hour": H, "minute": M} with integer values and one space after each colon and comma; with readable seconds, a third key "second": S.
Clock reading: {"hour": 7, "minute": 34}
